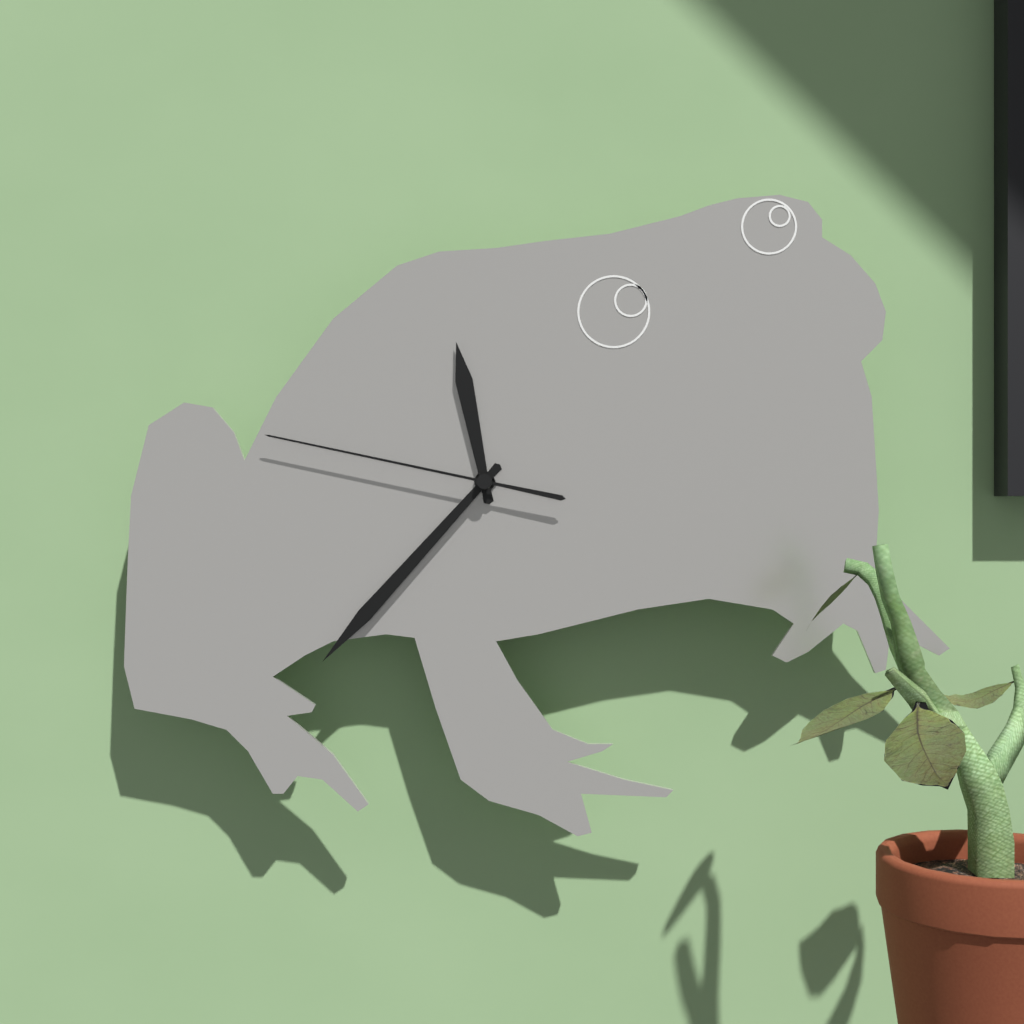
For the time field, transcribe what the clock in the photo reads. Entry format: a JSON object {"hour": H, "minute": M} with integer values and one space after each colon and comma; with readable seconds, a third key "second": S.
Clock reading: {"hour": 11, "minute": 37, "second": 47}
